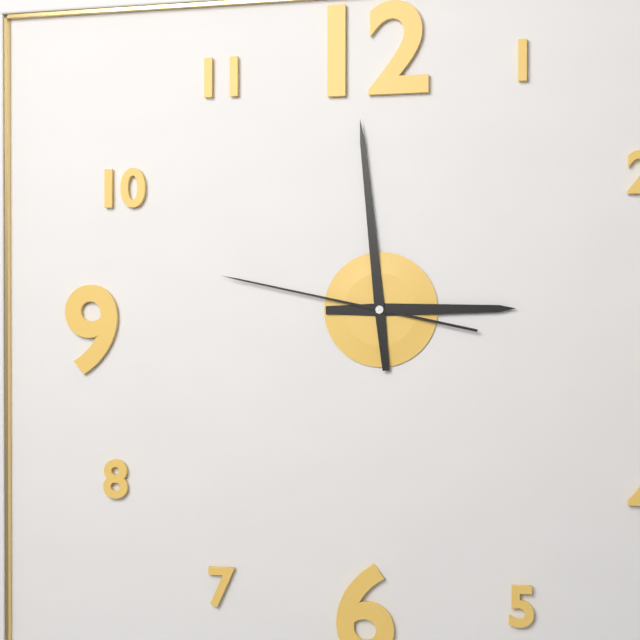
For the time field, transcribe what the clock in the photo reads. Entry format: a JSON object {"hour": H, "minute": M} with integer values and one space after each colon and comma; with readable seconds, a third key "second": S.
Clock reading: {"hour": 2, "minute": 59, "second": 47}
